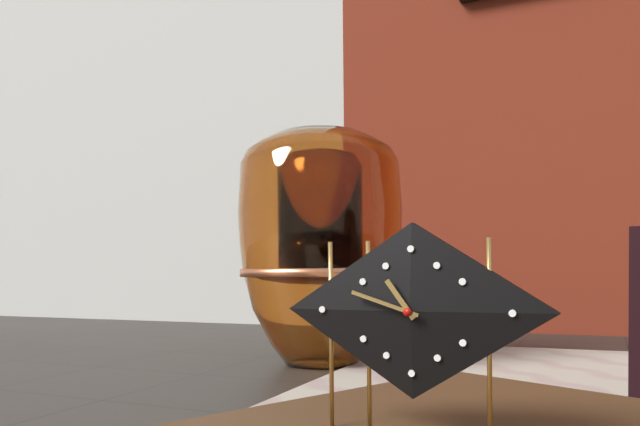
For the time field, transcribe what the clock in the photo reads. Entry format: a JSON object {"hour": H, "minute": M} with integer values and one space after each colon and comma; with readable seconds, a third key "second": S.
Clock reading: {"hour": 10, "minute": 48}
